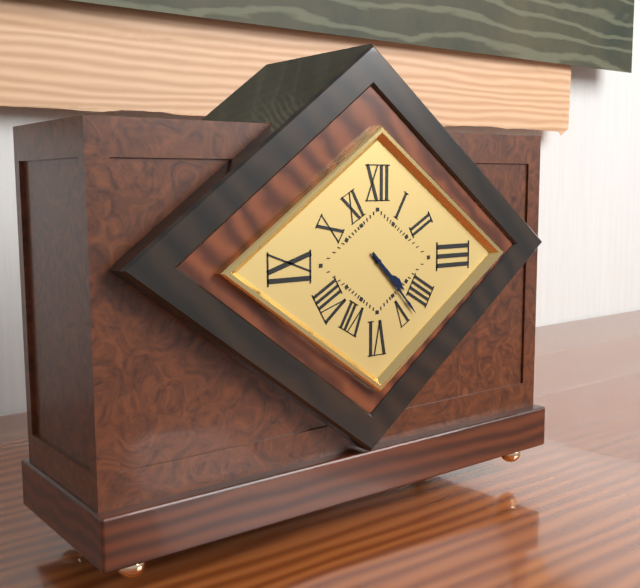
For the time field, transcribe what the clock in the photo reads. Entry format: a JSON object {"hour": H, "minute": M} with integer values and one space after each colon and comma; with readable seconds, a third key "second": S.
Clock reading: {"hour": 4, "minute": 23}
